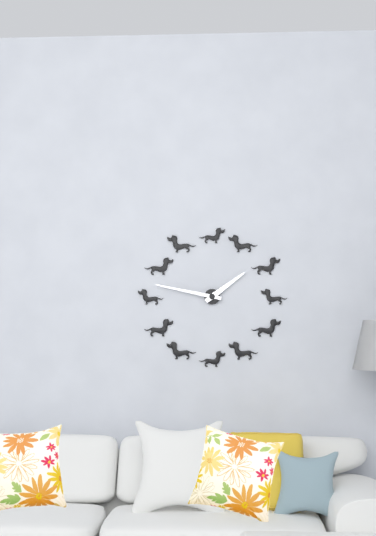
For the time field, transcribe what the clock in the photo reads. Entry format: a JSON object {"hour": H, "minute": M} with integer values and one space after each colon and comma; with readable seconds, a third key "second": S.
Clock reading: {"hour": 1, "minute": 47}
